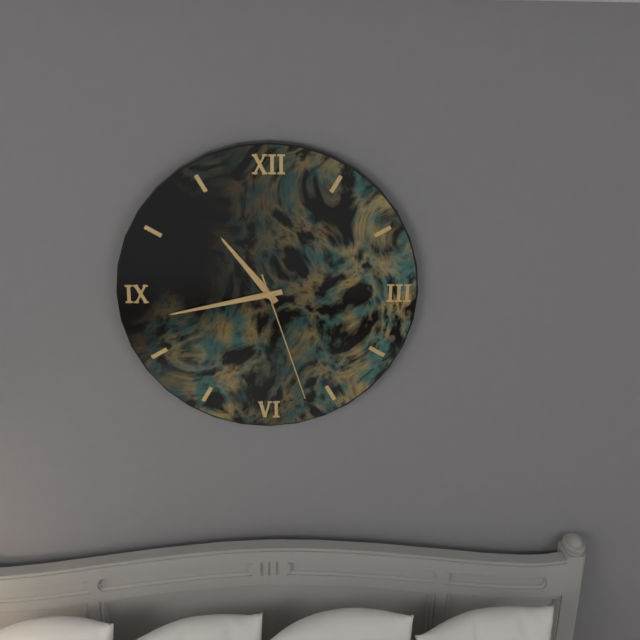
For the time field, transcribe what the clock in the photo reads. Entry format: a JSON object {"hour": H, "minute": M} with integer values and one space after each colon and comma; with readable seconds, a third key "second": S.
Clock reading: {"hour": 10, "minute": 43, "second": 27}
